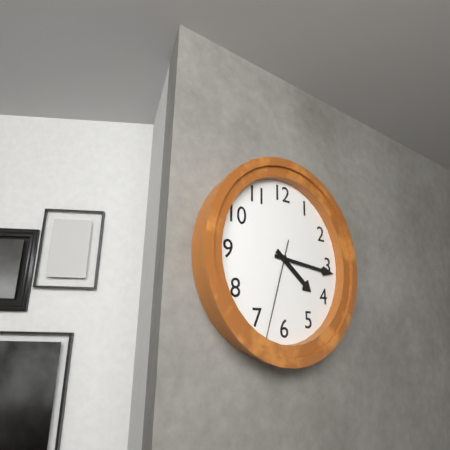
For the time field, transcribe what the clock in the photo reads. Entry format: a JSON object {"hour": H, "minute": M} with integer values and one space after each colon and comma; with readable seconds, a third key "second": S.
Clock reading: {"hour": 4, "minute": 16, "second": 33}
